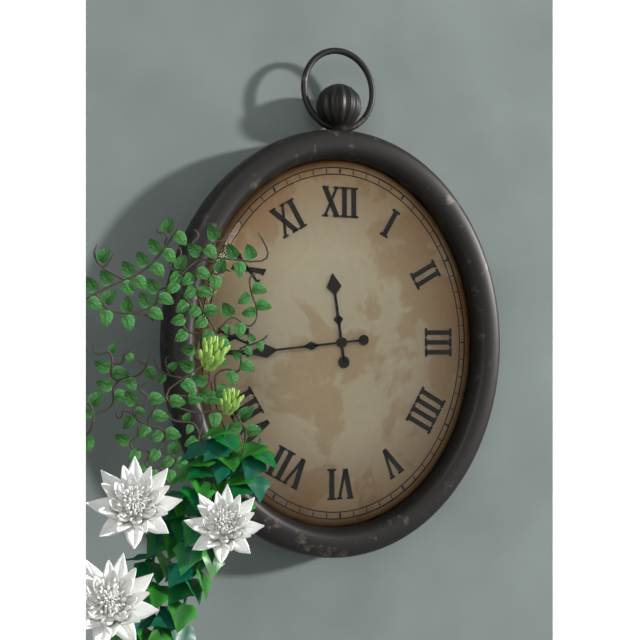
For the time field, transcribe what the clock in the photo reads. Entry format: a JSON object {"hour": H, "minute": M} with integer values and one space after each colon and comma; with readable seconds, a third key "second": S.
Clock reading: {"hour": 11, "minute": 44}
